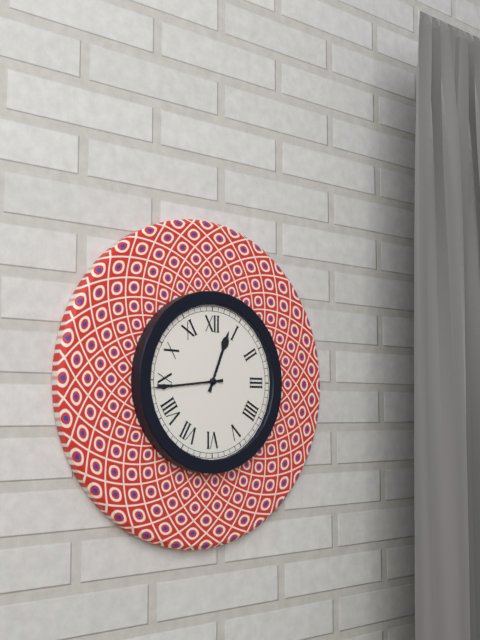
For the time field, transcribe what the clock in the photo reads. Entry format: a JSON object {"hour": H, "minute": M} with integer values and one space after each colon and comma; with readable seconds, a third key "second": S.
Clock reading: {"hour": 12, "minute": 44}
